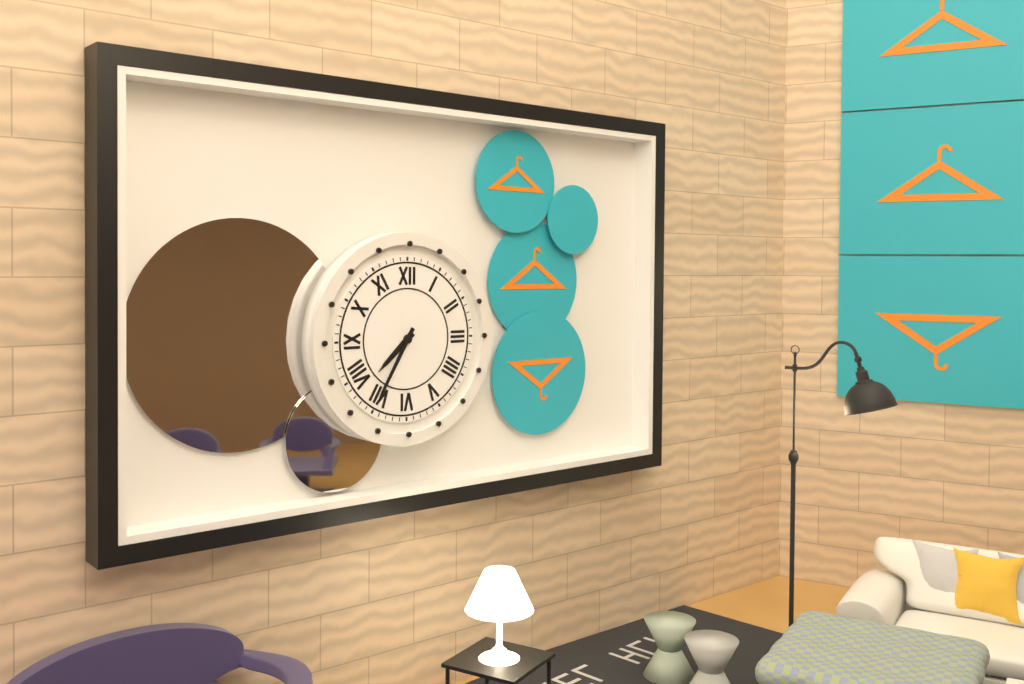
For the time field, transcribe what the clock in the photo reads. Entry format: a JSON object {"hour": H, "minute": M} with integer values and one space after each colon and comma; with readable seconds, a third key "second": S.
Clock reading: {"hour": 7, "minute": 35}
